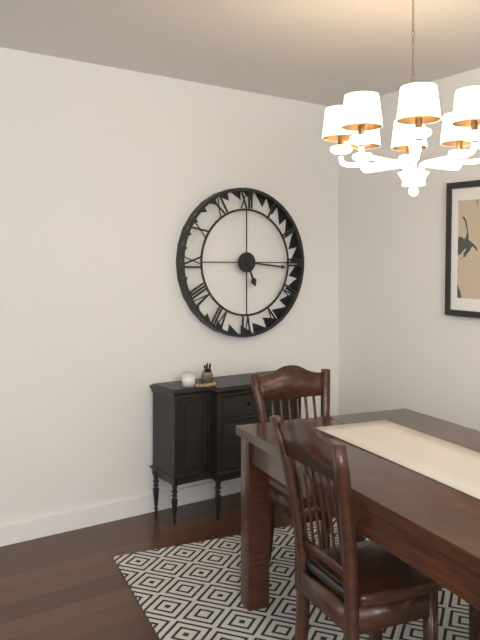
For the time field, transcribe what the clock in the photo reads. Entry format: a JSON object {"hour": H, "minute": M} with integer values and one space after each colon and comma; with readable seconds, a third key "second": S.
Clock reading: {"hour": 5, "minute": 16}
